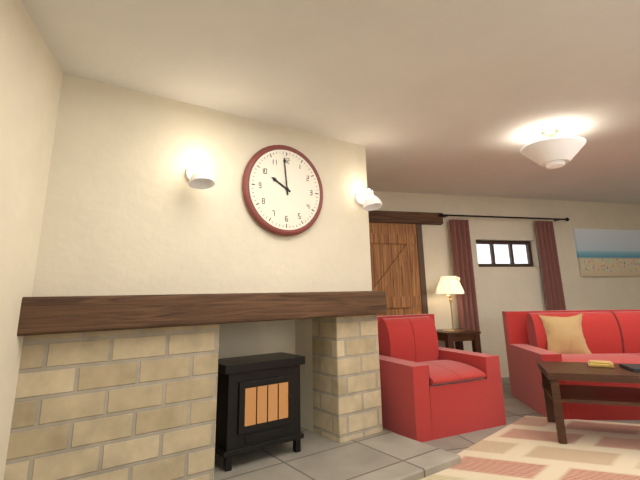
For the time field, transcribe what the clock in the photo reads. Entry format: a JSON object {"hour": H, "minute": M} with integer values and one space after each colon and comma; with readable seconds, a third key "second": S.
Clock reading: {"hour": 9, "minute": 59}
